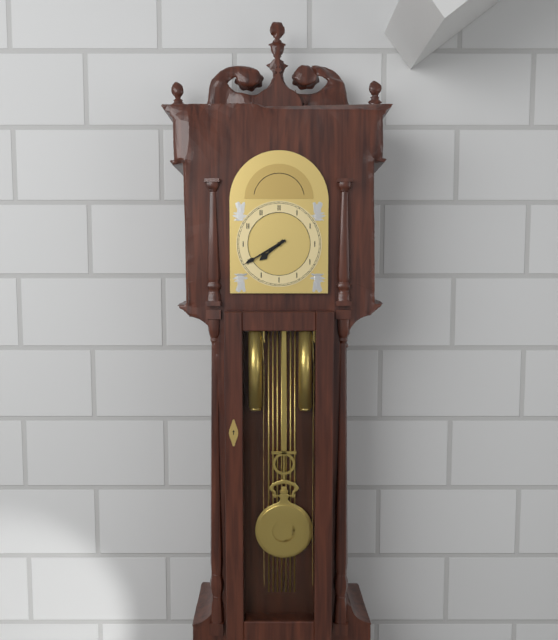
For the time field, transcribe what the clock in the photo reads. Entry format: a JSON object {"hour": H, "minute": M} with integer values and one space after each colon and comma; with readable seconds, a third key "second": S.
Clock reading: {"hour": 7, "minute": 40}
